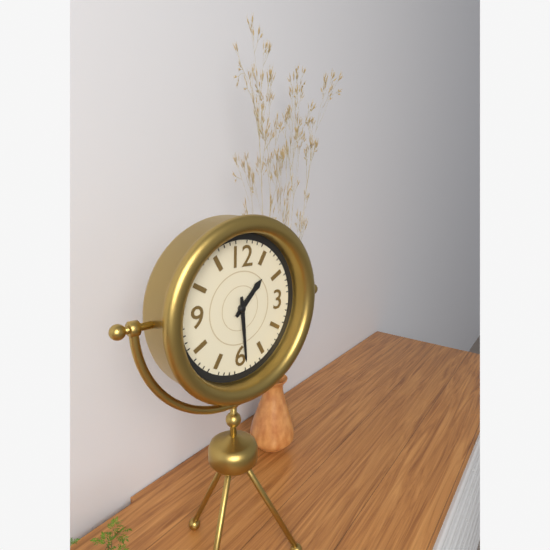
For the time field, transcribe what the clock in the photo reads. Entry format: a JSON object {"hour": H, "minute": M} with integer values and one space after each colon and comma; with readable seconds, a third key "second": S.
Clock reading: {"hour": 1, "minute": 29}
